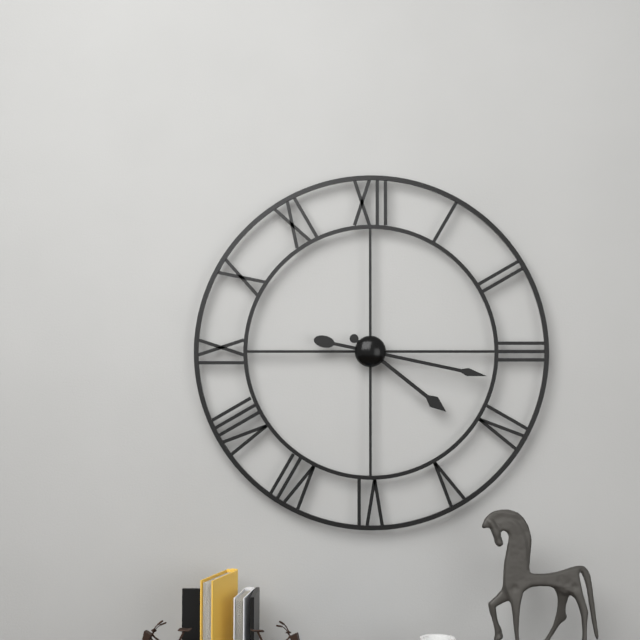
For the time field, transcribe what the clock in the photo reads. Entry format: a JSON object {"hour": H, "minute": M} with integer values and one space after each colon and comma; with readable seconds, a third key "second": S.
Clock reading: {"hour": 4, "minute": 17}
